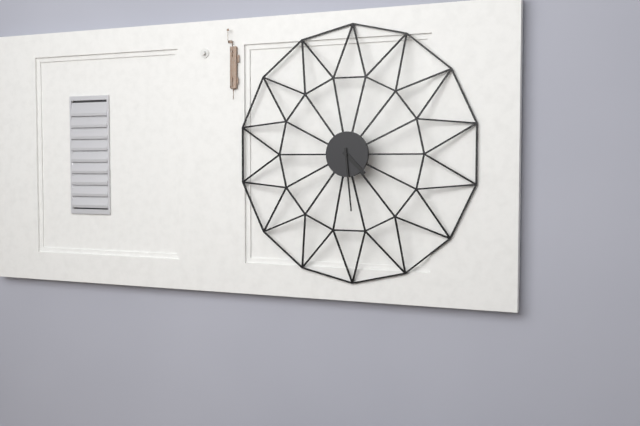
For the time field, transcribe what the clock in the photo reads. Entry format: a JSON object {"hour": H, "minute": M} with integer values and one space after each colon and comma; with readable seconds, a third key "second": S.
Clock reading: {"hour": 4, "minute": 29}
